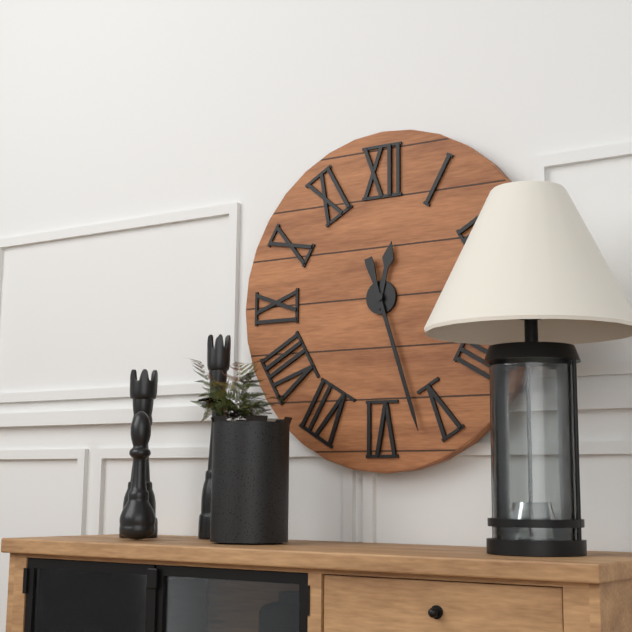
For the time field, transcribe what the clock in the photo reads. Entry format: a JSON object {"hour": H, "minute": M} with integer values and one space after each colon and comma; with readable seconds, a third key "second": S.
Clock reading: {"hour": 12, "minute": 27}
